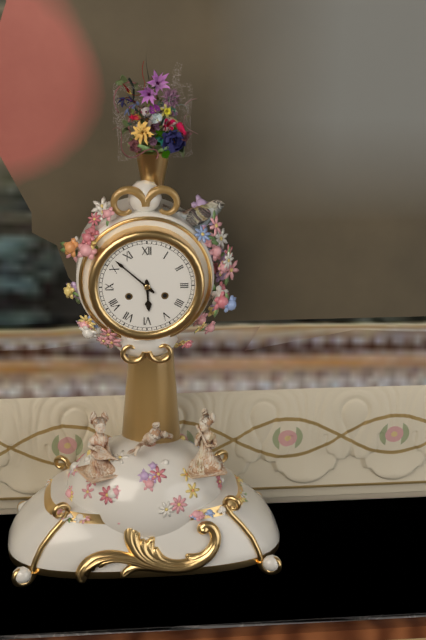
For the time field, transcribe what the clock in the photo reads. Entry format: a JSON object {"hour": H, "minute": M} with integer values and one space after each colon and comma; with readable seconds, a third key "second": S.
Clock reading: {"hour": 5, "minute": 52}
